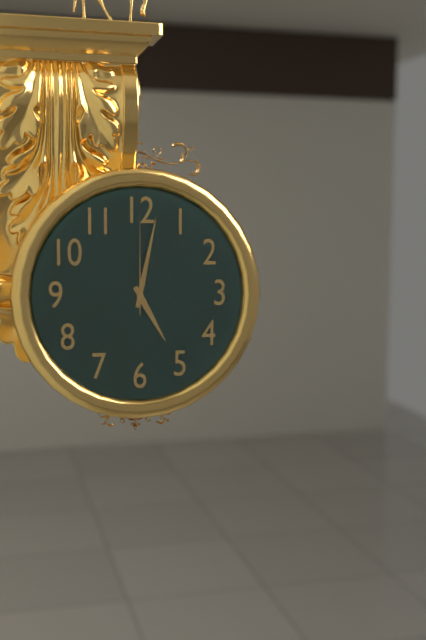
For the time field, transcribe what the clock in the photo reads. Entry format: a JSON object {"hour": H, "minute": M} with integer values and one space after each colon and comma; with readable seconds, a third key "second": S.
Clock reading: {"hour": 5, "minute": 2, "second": 0}
